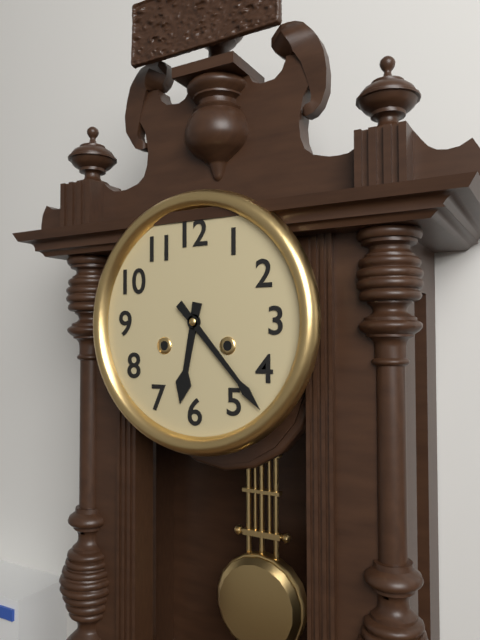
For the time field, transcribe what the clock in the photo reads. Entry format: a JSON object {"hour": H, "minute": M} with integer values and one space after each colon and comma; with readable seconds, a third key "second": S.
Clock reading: {"hour": 6, "minute": 23}
